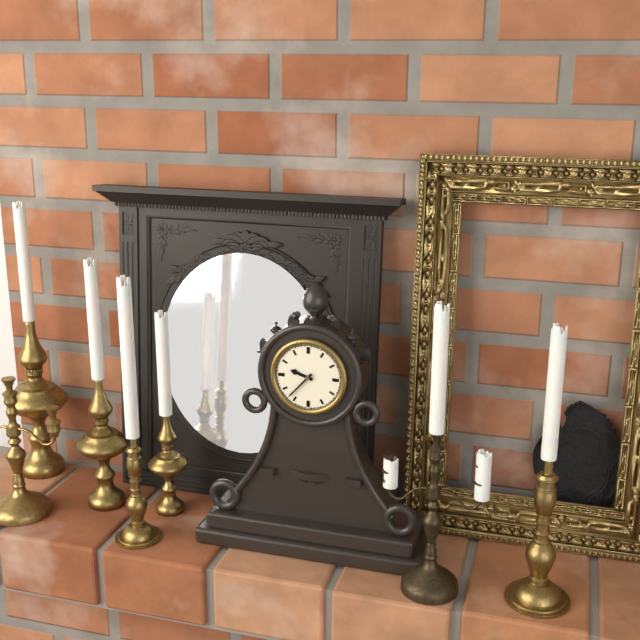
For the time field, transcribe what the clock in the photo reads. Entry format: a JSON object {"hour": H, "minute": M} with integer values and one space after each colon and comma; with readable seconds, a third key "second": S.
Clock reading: {"hour": 9, "minute": 37}
